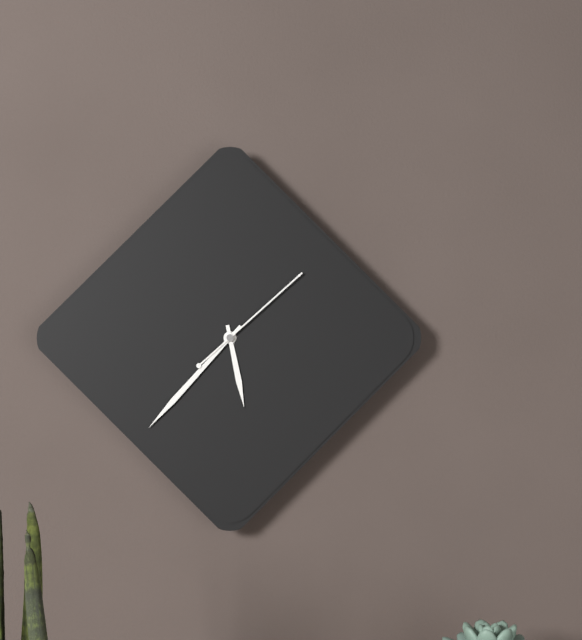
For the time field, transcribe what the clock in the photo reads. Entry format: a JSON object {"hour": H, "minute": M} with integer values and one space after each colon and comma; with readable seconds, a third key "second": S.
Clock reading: {"hour": 5, "minute": 37, "second": 8}
